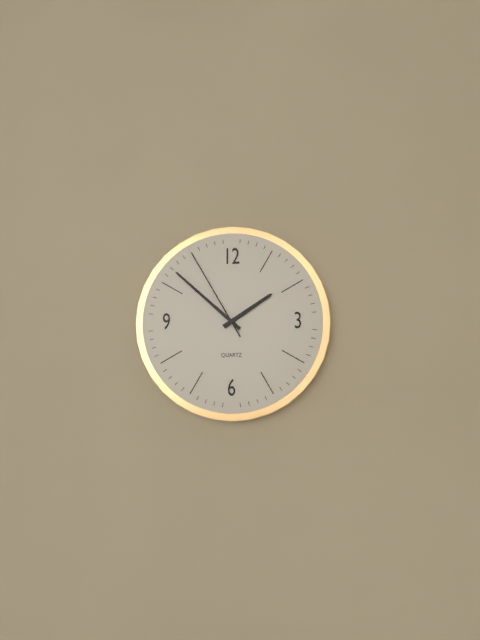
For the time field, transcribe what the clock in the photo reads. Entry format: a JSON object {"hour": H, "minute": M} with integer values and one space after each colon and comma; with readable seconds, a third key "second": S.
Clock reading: {"hour": 1, "minute": 52, "second": 55}
